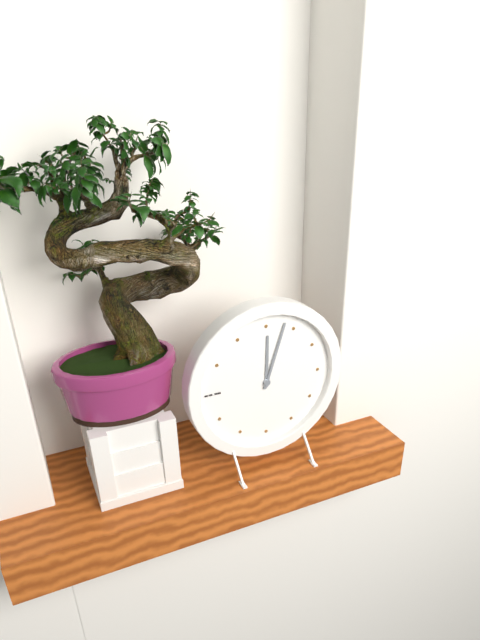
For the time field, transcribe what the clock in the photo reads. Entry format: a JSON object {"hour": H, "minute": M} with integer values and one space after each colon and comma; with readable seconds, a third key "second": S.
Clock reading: {"hour": 12, "minute": 3}
